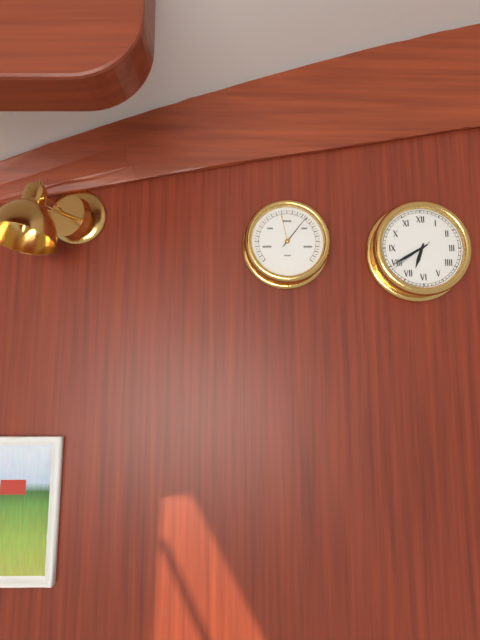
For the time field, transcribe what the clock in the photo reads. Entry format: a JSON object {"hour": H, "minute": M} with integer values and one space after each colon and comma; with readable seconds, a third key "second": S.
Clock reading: {"hour": 6, "minute": 40}
